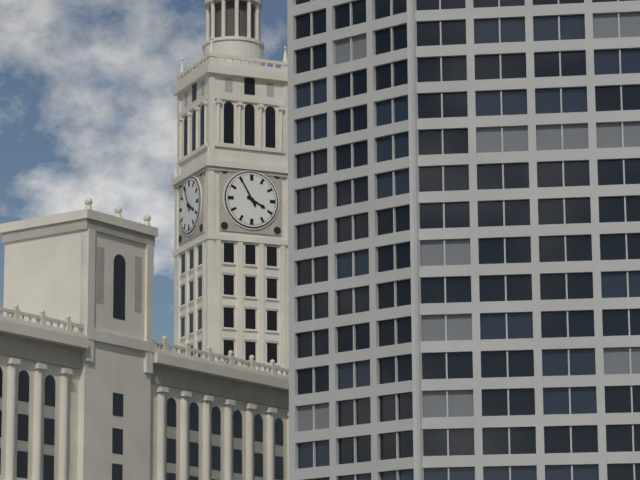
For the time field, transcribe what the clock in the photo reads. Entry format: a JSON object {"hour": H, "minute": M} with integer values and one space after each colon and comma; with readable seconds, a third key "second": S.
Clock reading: {"hour": 3, "minute": 55}
